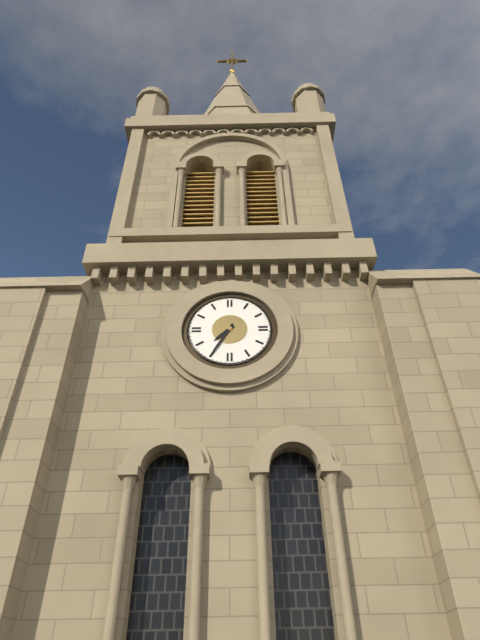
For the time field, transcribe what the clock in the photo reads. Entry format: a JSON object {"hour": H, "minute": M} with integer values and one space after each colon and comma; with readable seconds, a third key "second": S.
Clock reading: {"hour": 7, "minute": 35}
